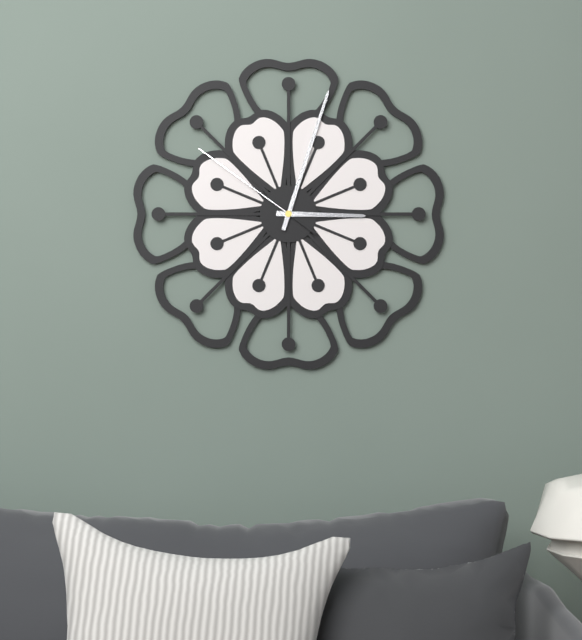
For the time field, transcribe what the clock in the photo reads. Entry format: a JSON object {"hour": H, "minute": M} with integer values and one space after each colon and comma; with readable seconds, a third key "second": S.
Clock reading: {"hour": 3, "minute": 3, "second": 51}
